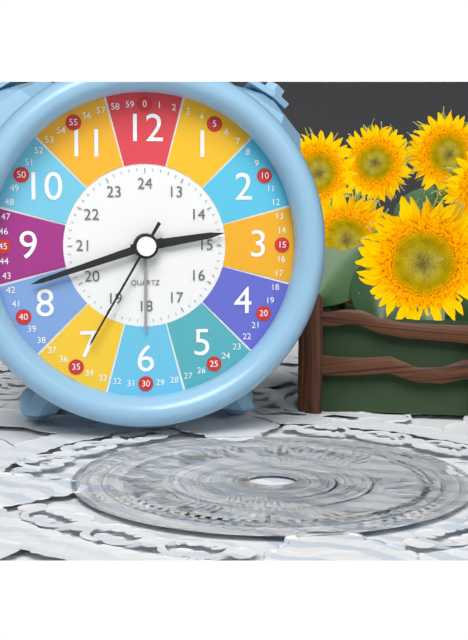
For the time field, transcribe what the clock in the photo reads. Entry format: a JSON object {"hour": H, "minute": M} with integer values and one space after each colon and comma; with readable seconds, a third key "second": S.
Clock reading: {"hour": 2, "minute": 42, "second": 35}
